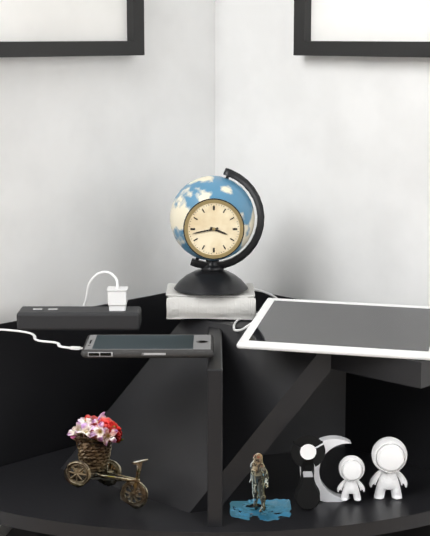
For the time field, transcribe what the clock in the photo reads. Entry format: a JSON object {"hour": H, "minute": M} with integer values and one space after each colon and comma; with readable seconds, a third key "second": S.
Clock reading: {"hour": 3, "minute": 43}
